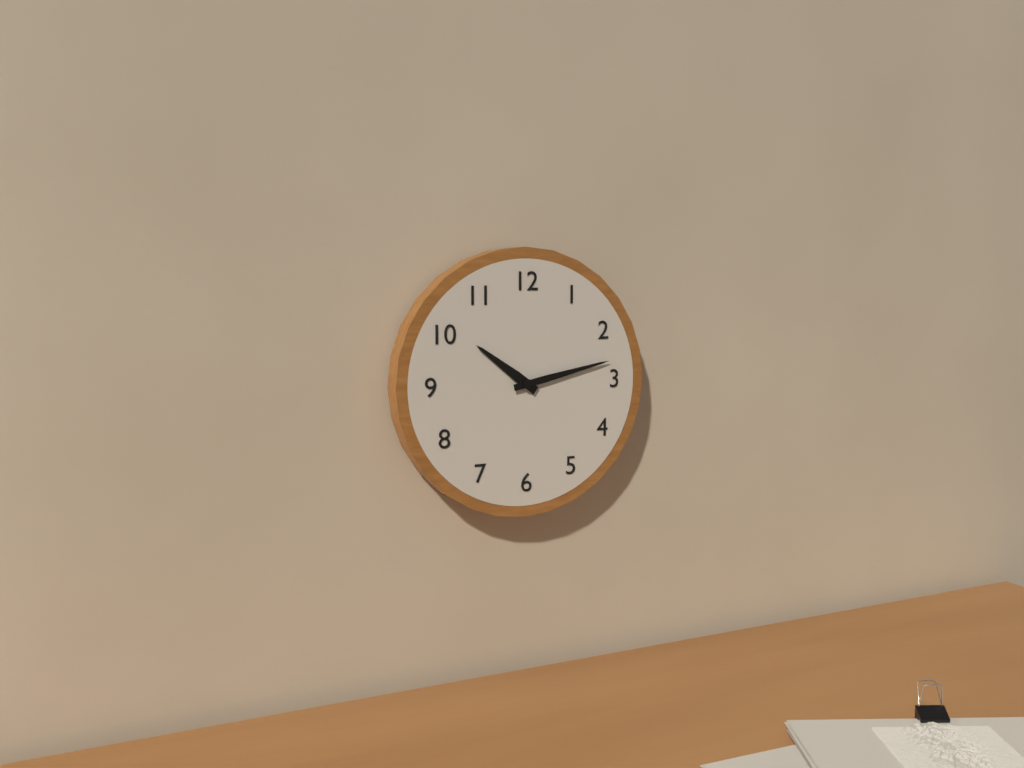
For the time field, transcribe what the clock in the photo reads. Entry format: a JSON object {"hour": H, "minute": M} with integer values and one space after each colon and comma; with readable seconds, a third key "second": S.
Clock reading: {"hour": 10, "minute": 13}
